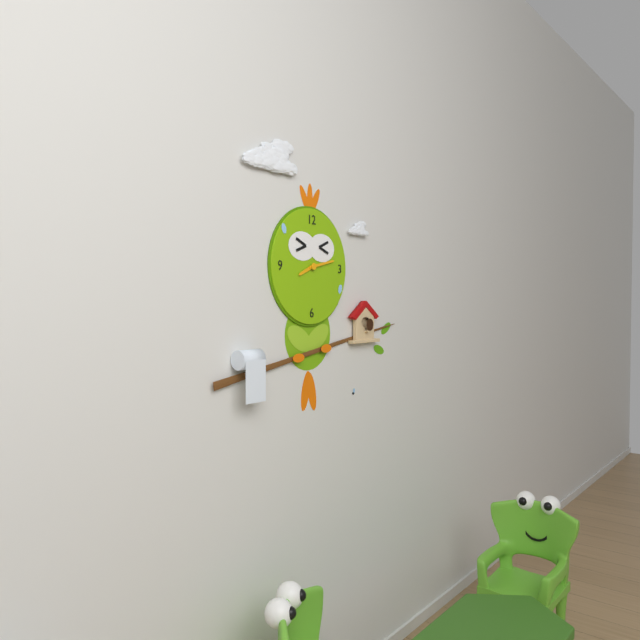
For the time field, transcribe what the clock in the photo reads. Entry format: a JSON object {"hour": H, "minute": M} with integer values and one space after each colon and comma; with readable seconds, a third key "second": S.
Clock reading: {"hour": 8, "minute": 13}
